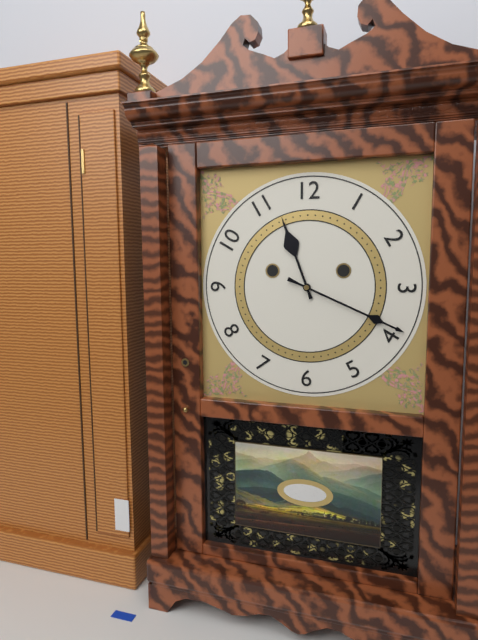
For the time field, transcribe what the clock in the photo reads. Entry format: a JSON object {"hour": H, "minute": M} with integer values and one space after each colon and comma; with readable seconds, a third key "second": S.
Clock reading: {"hour": 11, "minute": 19}
